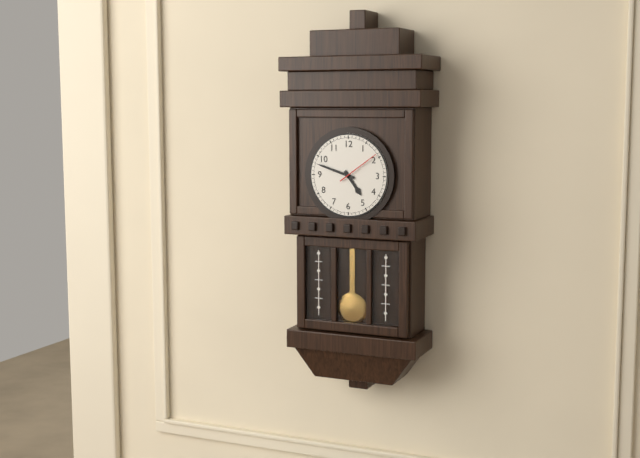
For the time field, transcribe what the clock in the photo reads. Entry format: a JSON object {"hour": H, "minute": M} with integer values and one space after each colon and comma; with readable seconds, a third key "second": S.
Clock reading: {"hour": 4, "minute": 48}
